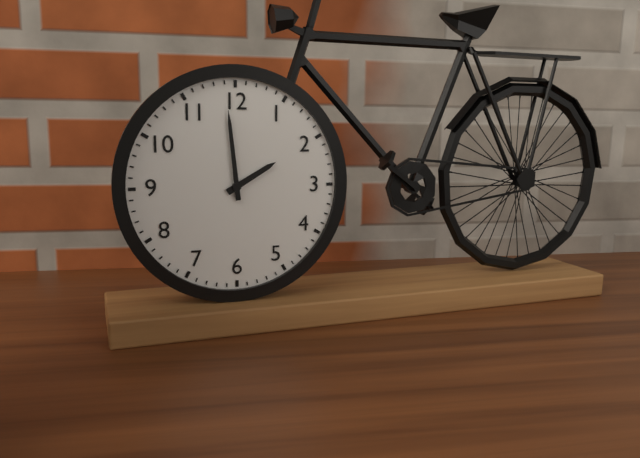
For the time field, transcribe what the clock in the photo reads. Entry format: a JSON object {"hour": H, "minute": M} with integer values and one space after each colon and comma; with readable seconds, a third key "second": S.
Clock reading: {"hour": 1, "minute": 59}
